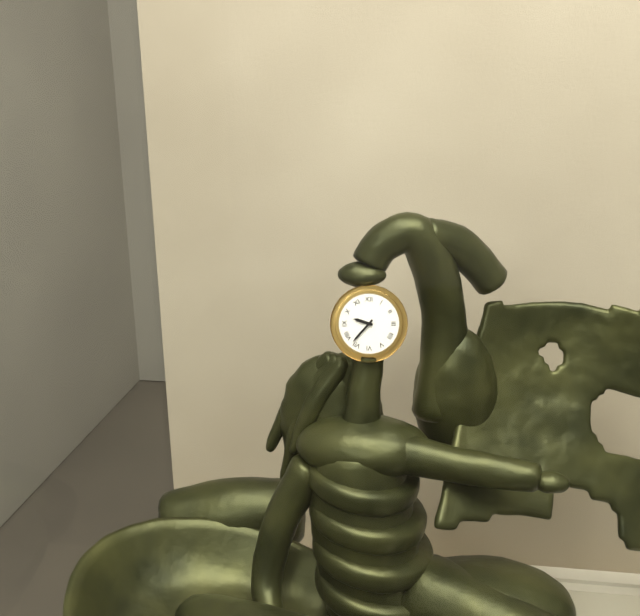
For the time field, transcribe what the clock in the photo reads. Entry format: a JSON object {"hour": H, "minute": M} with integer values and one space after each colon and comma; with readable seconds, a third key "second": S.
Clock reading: {"hour": 9, "minute": 37}
